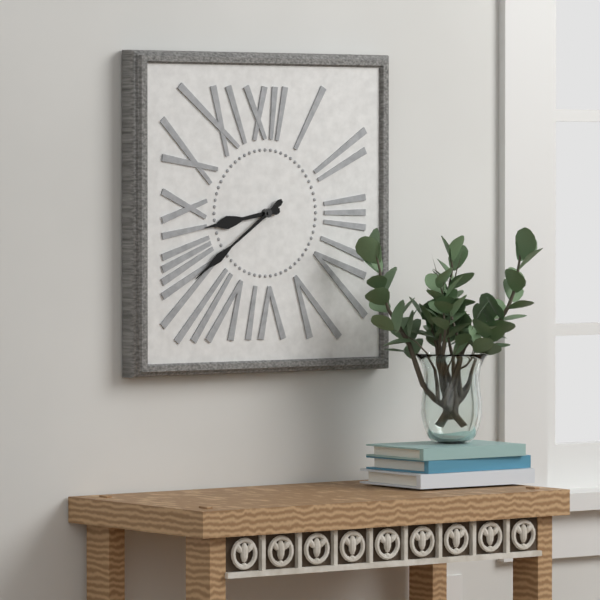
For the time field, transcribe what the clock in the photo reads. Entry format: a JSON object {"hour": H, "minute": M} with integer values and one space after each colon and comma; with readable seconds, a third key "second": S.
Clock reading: {"hour": 8, "minute": 39}
